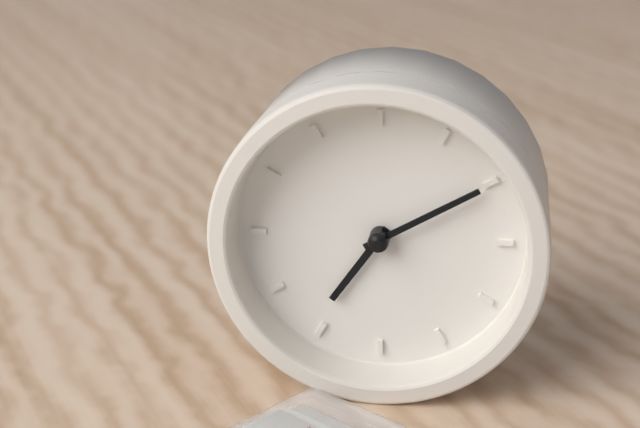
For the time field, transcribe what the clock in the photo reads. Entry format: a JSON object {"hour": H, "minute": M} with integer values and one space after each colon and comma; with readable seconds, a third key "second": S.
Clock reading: {"hour": 7, "minute": 10}
